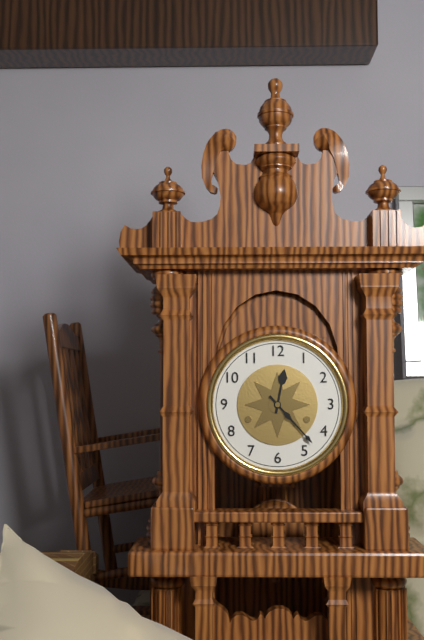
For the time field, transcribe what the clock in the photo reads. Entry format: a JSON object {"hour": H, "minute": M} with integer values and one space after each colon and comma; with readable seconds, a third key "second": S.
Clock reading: {"hour": 12, "minute": 23}
